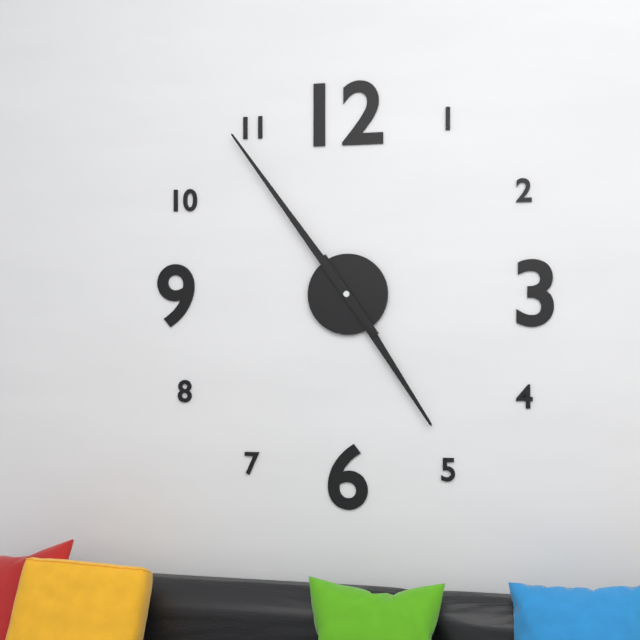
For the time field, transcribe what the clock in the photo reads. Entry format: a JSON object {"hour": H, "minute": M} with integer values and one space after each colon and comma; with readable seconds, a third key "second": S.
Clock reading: {"hour": 4, "minute": 54}
